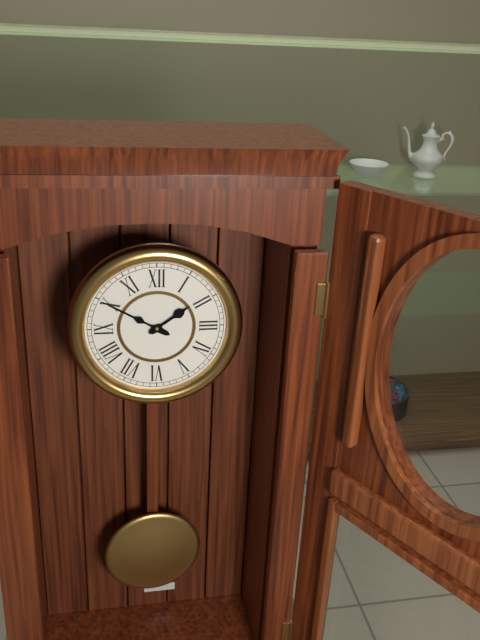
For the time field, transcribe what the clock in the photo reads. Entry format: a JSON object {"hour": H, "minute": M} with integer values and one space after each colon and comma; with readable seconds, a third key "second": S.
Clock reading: {"hour": 1, "minute": 50}
